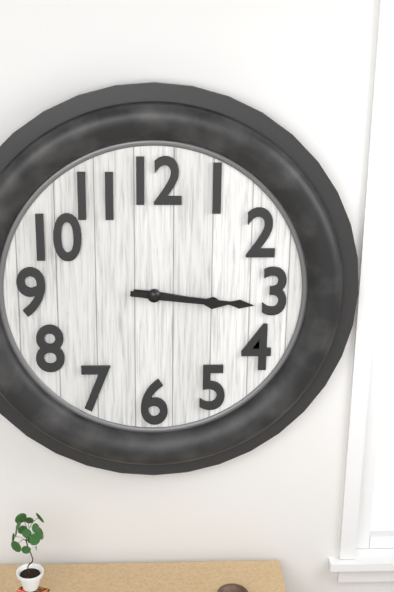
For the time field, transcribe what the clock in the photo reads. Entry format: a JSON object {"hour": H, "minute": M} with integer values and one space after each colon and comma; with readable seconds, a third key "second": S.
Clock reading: {"hour": 3, "minute": 16}
